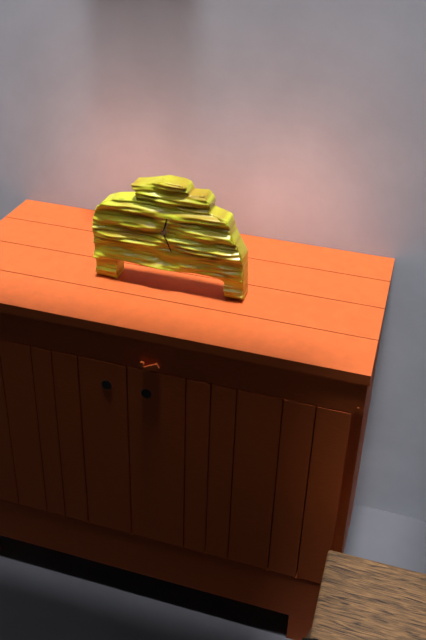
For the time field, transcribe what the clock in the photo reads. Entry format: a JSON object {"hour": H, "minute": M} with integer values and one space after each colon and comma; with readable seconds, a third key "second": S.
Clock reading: {"hour": 12, "minute": 26}
